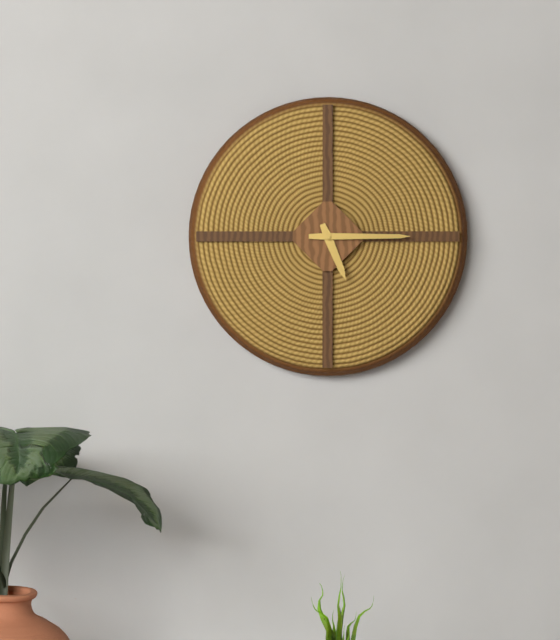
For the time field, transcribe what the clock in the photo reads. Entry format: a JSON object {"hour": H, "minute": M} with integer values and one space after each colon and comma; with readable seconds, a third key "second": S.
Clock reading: {"hour": 5, "minute": 15}
